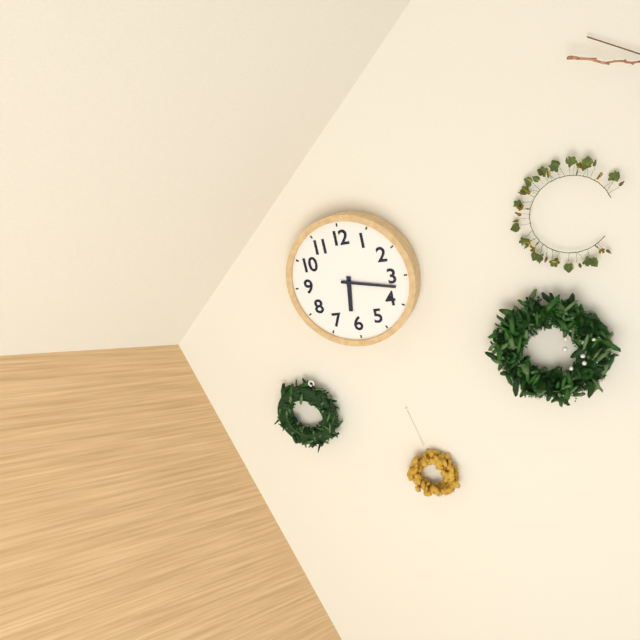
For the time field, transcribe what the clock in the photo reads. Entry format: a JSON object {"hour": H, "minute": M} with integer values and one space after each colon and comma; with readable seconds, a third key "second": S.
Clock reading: {"hour": 6, "minute": 17}
